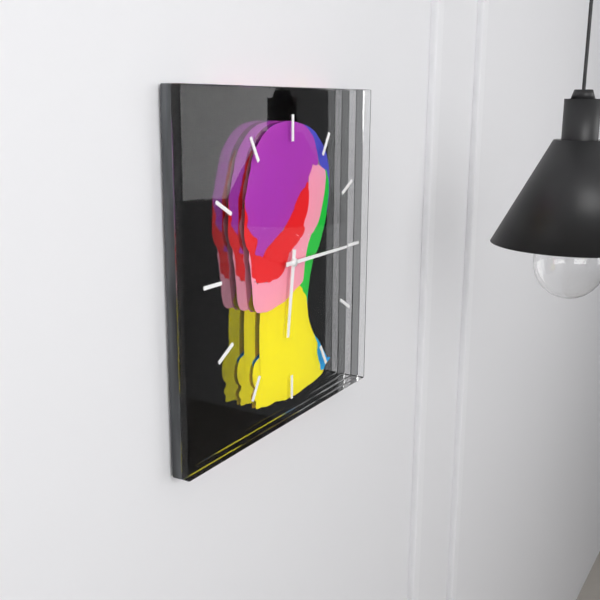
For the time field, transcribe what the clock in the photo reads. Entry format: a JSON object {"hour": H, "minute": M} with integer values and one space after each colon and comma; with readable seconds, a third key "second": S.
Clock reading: {"hour": 6, "minute": 15}
